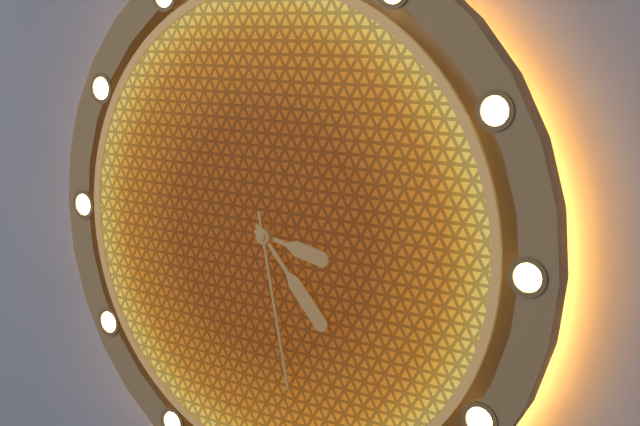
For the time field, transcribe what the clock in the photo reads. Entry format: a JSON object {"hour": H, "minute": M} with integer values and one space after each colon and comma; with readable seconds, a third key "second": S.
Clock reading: {"hour": 3, "minute": 23, "second": 28}
